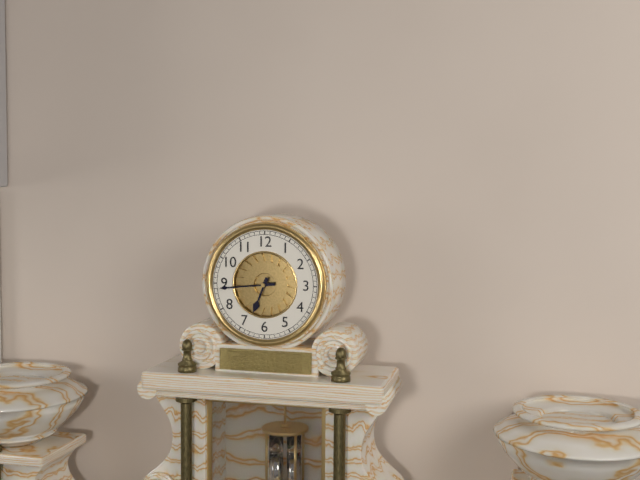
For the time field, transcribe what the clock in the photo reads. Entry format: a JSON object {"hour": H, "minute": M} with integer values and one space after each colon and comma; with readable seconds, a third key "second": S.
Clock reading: {"hour": 6, "minute": 44}
